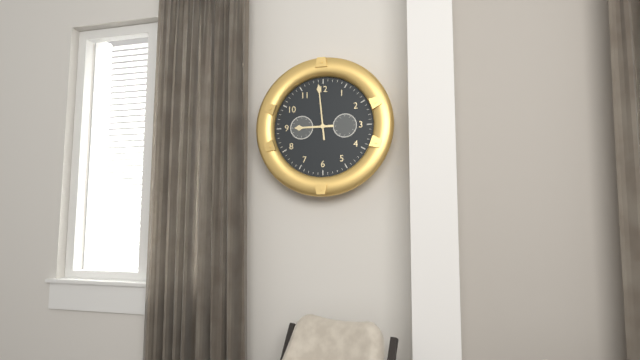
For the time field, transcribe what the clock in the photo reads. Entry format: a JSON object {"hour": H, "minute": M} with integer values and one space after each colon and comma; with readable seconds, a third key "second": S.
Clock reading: {"hour": 8, "minute": 59}
